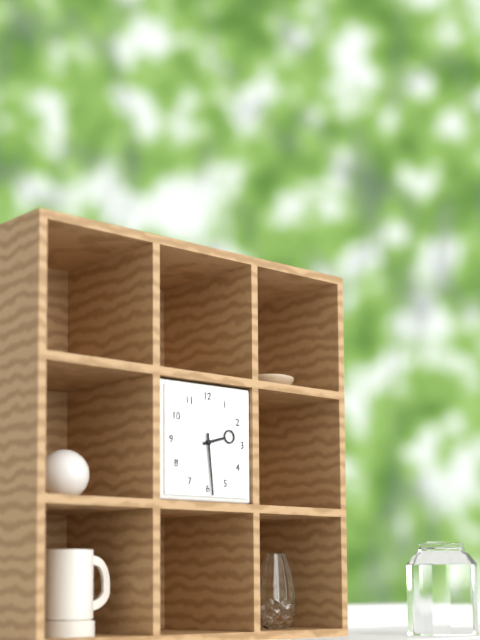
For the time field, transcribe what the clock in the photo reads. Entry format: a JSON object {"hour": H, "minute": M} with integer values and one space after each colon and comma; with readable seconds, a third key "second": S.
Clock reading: {"hour": 2, "minute": 29}
